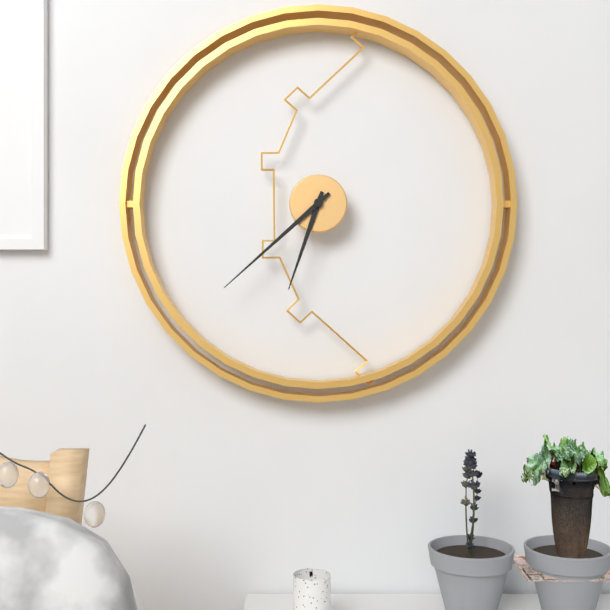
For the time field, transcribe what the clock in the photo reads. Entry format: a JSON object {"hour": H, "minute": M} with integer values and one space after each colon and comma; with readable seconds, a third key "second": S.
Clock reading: {"hour": 6, "minute": 38}
